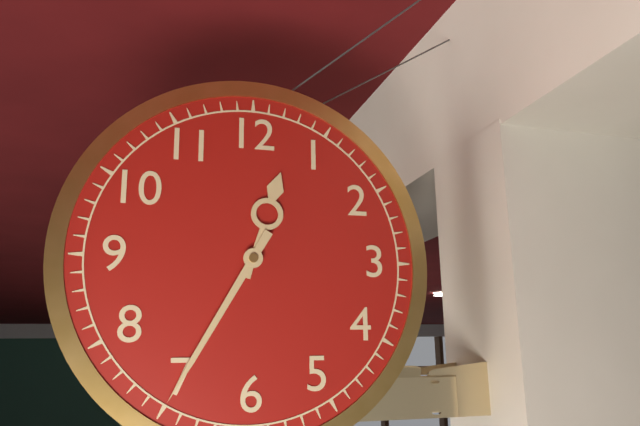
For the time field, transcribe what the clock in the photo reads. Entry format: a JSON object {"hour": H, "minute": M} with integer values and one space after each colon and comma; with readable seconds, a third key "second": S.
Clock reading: {"hour": 12, "minute": 35}
